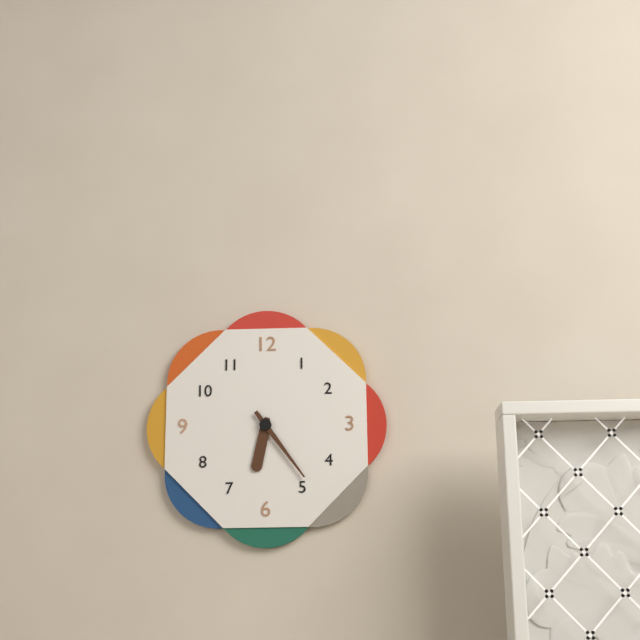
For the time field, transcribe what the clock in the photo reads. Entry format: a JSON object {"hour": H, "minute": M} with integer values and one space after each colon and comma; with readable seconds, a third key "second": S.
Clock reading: {"hour": 6, "minute": 24}
